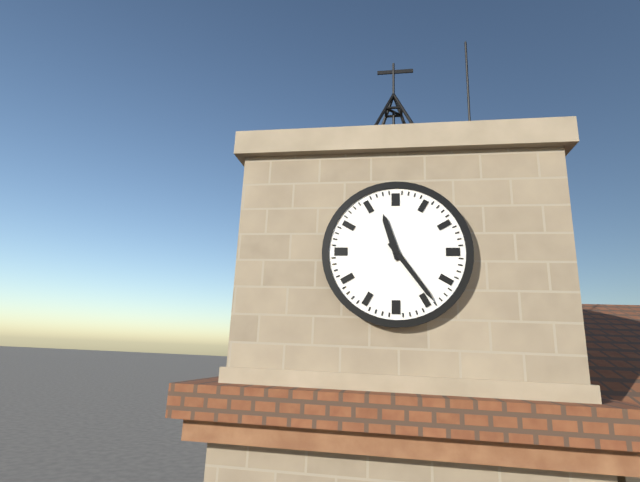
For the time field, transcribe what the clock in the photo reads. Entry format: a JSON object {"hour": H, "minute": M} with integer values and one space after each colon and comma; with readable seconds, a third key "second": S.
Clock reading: {"hour": 11, "minute": 24}
